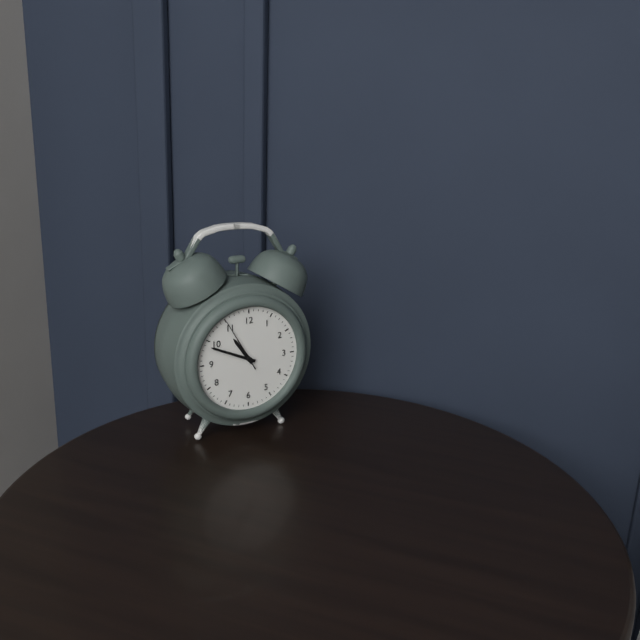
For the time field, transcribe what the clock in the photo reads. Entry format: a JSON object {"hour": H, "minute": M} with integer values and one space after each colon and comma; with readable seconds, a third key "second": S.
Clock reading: {"hour": 10, "minute": 49, "second": 55}
